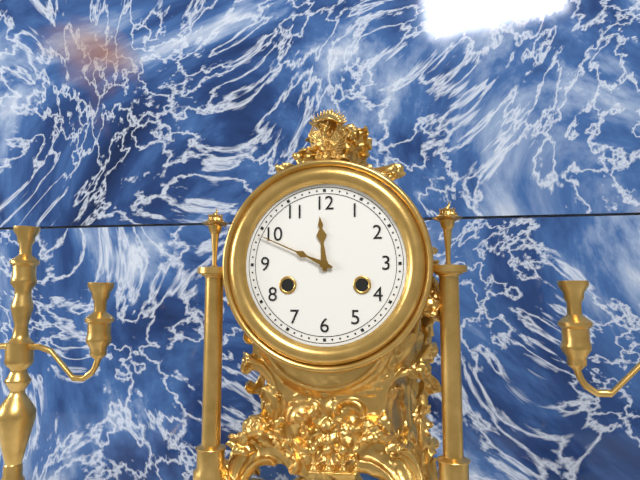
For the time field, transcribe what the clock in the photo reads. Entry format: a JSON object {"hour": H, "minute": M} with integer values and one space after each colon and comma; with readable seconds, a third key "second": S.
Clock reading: {"hour": 11, "minute": 49}
